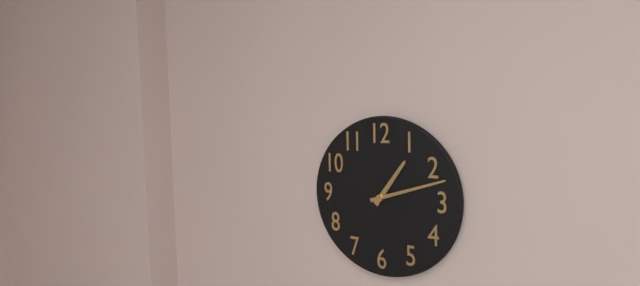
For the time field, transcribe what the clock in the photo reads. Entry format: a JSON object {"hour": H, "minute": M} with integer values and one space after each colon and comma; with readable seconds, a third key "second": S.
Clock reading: {"hour": 1, "minute": 12}
